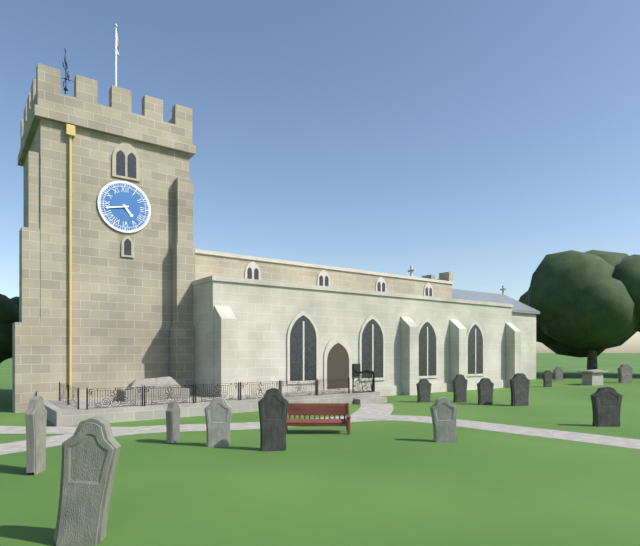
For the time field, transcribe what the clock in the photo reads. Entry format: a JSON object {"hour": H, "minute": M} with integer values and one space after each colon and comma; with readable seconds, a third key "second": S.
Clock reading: {"hour": 4, "minute": 43}
